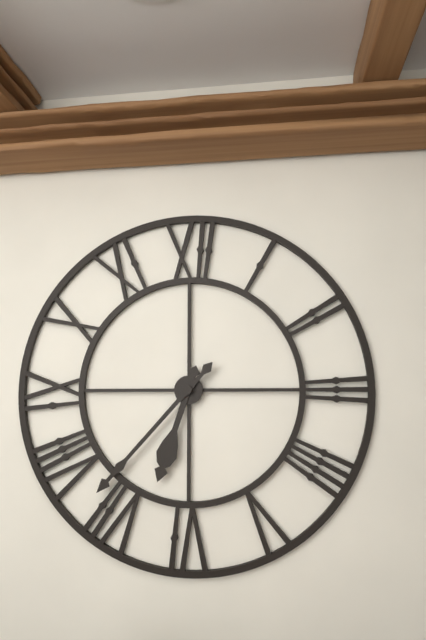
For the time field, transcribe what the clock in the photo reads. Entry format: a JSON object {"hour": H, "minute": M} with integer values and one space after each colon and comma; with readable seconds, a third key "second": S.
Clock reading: {"hour": 6, "minute": 37}
